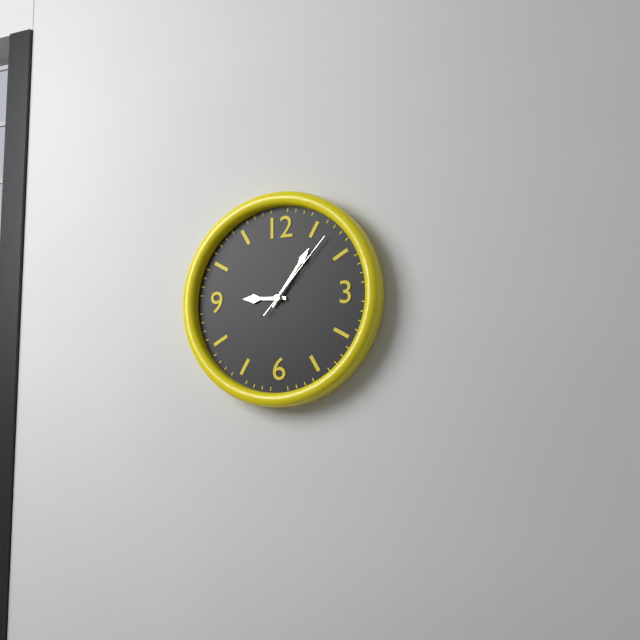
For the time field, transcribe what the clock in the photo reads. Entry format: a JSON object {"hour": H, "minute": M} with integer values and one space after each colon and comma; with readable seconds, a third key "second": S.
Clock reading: {"hour": 9, "minute": 6, "second": 7}
